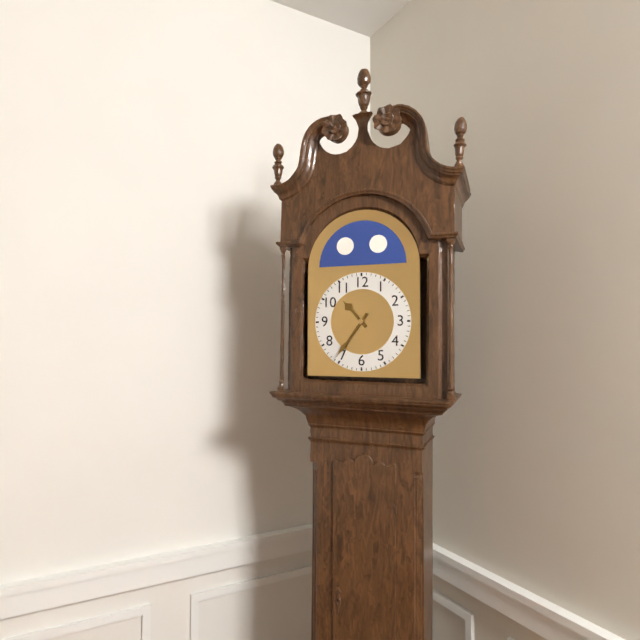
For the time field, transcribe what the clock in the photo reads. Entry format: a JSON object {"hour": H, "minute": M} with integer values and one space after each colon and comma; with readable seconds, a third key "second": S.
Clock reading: {"hour": 10, "minute": 36}
